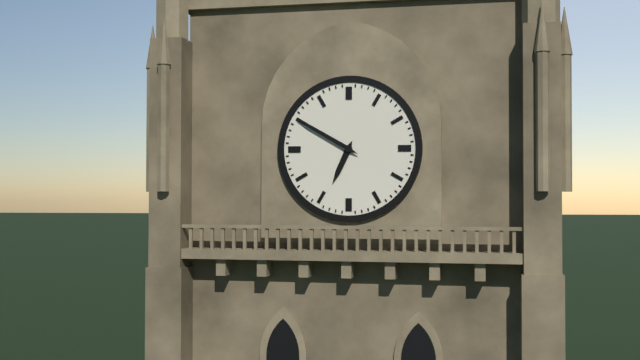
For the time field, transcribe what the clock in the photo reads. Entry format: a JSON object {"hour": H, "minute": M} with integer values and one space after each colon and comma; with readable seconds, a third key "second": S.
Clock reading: {"hour": 6, "minute": 50}
